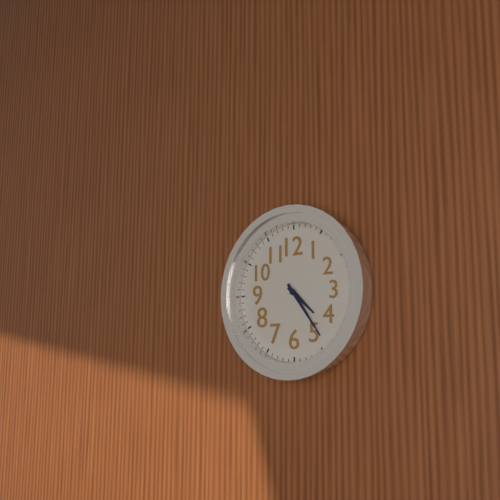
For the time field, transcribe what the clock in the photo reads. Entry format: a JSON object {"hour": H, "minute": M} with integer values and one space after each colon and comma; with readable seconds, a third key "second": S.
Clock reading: {"hour": 4, "minute": 24}
